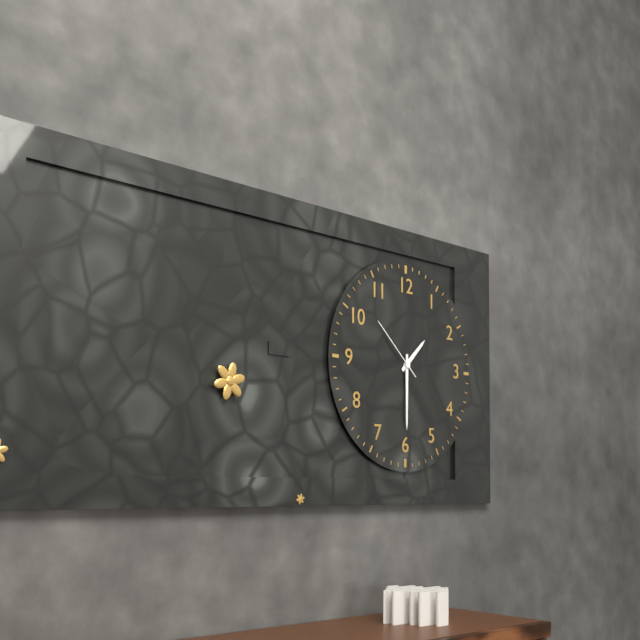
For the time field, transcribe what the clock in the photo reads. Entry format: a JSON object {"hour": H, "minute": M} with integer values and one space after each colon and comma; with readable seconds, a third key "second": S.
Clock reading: {"hour": 1, "minute": 30, "second": 52}
